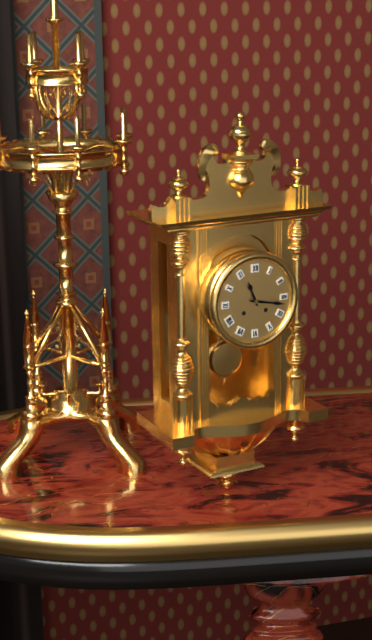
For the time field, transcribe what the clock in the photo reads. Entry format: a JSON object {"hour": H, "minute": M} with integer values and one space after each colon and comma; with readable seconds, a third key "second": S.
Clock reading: {"hour": 11, "minute": 17}
